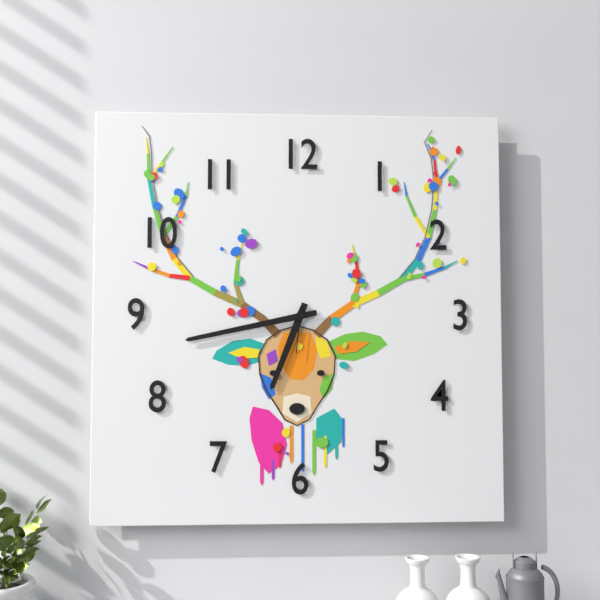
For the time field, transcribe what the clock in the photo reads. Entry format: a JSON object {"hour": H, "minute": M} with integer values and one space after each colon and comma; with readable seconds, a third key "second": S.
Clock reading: {"hour": 6, "minute": 43}
